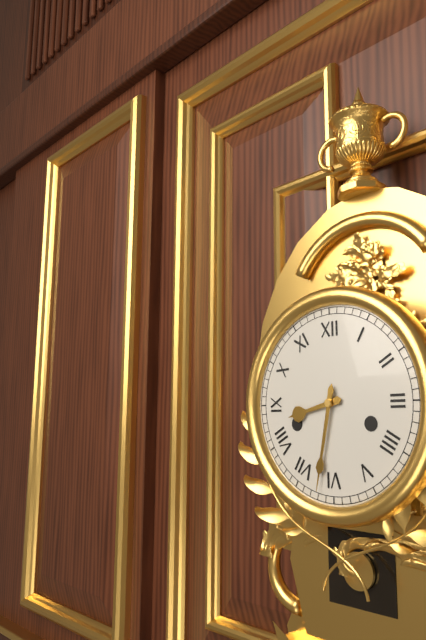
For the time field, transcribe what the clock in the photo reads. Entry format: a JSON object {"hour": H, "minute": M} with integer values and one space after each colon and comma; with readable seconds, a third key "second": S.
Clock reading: {"hour": 8, "minute": 32}
